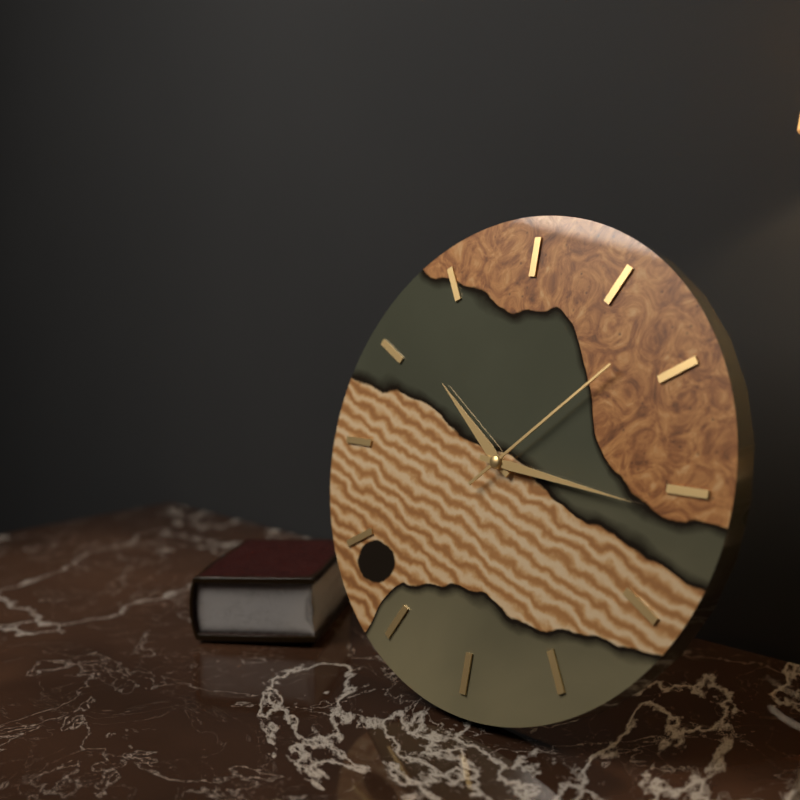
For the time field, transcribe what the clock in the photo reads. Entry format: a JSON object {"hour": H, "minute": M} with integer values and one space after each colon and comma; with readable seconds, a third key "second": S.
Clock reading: {"hour": 10, "minute": 16, "second": 8}
